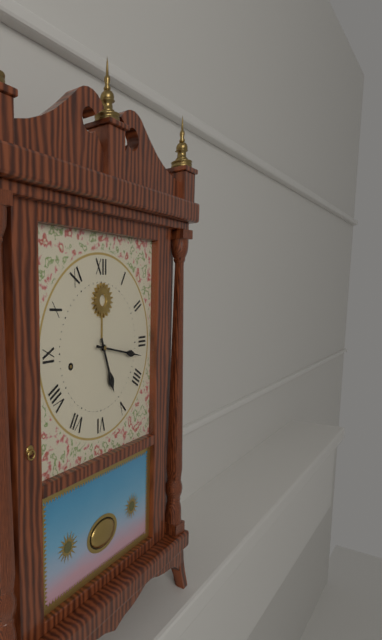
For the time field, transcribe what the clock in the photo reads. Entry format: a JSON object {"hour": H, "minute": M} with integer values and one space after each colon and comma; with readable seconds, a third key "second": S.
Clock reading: {"hour": 5, "minute": 17}
